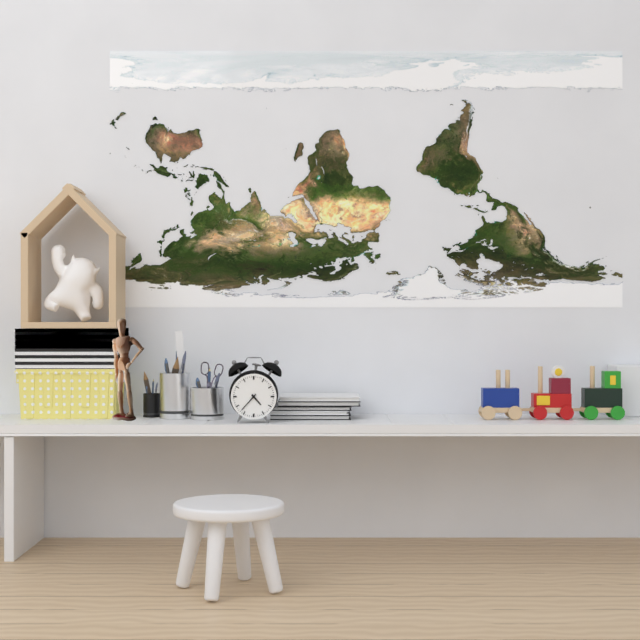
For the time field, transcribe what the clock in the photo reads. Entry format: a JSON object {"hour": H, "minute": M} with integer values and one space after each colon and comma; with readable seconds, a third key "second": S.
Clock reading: {"hour": 4, "minute": 37}
